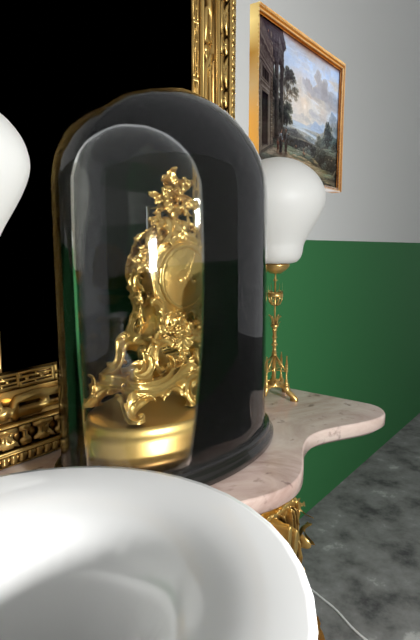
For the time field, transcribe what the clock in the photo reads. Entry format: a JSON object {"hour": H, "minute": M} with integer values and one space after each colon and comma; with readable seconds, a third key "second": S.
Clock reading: {"hour": 11, "minute": 7}
